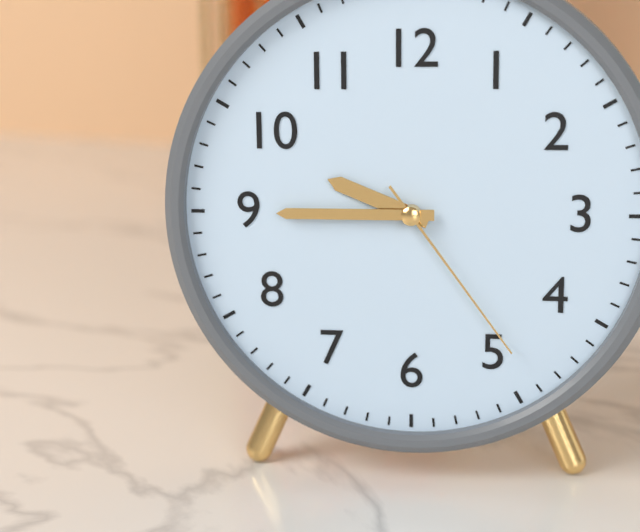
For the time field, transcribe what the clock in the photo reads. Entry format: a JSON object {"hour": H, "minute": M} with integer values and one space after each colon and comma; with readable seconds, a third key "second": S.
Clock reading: {"hour": 9, "minute": 45, "second": 24}
